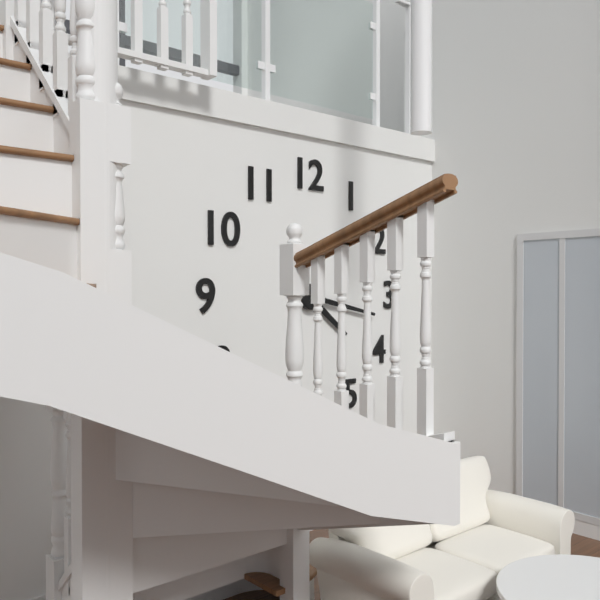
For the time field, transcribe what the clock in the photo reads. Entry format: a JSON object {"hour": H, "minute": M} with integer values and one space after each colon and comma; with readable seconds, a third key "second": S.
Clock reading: {"hour": 4, "minute": 17}
